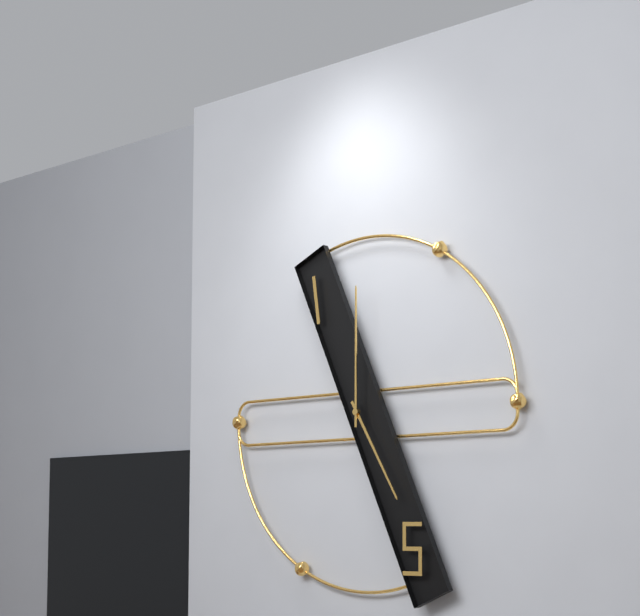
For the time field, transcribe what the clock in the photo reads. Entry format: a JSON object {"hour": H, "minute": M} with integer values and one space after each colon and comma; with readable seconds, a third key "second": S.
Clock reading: {"hour": 5, "minute": 0}
